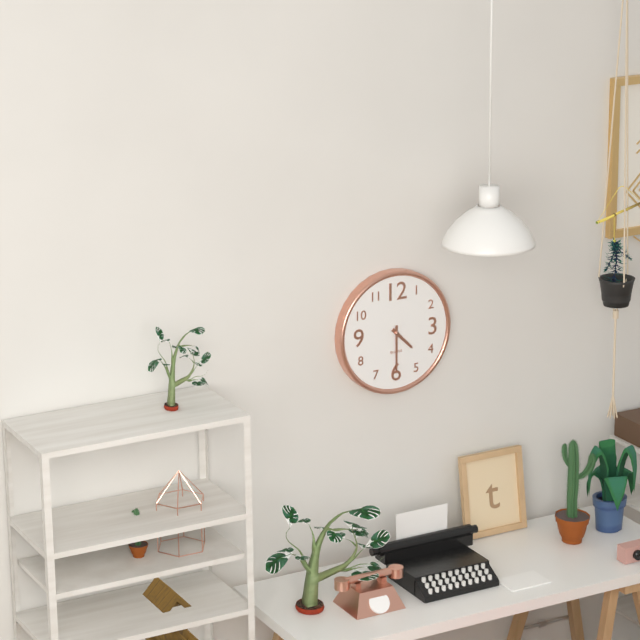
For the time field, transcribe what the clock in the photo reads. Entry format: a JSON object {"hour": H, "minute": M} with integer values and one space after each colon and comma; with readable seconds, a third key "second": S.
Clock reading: {"hour": 4, "minute": 30}
